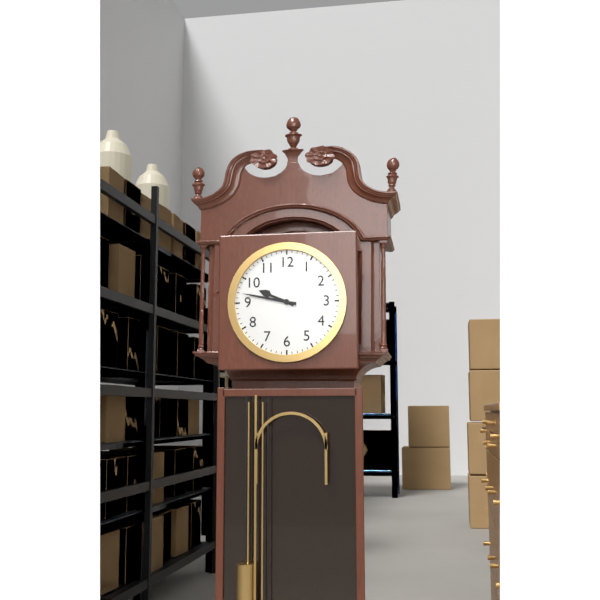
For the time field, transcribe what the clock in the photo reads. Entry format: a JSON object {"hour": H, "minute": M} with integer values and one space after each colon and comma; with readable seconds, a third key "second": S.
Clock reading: {"hour": 9, "minute": 47}
